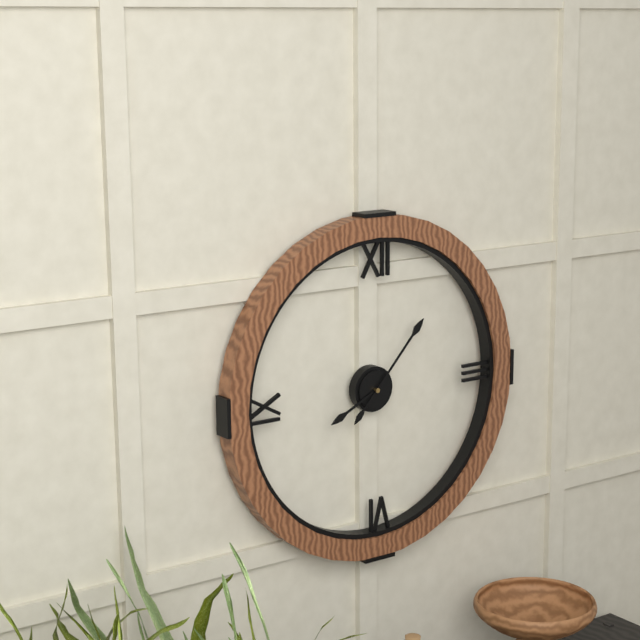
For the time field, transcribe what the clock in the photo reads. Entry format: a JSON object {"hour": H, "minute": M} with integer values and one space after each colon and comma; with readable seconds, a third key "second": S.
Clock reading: {"hour": 8, "minute": 7}
